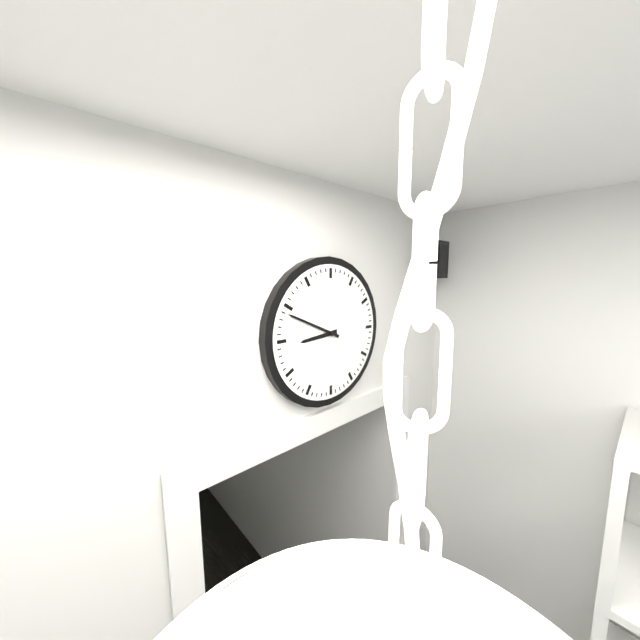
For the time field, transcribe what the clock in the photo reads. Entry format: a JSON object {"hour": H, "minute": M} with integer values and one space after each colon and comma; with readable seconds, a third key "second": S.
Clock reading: {"hour": 8, "minute": 49}
